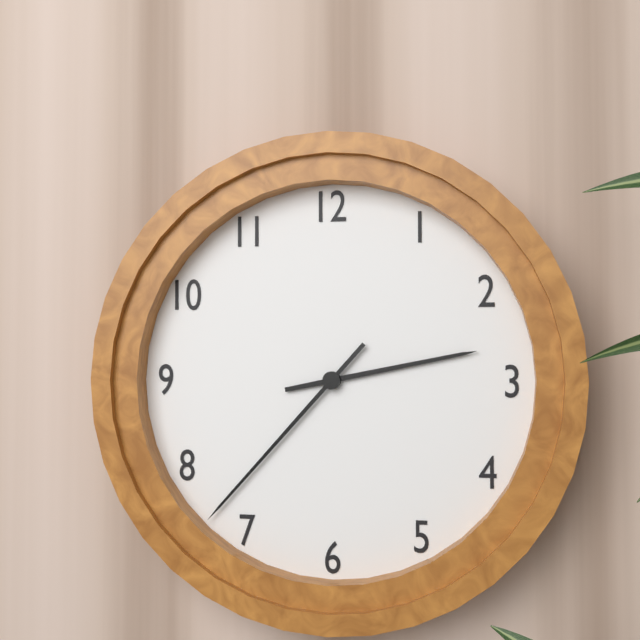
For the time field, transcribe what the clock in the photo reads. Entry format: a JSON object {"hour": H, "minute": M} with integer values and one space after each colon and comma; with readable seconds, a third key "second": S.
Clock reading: {"hour": 2, "minute": 37}
